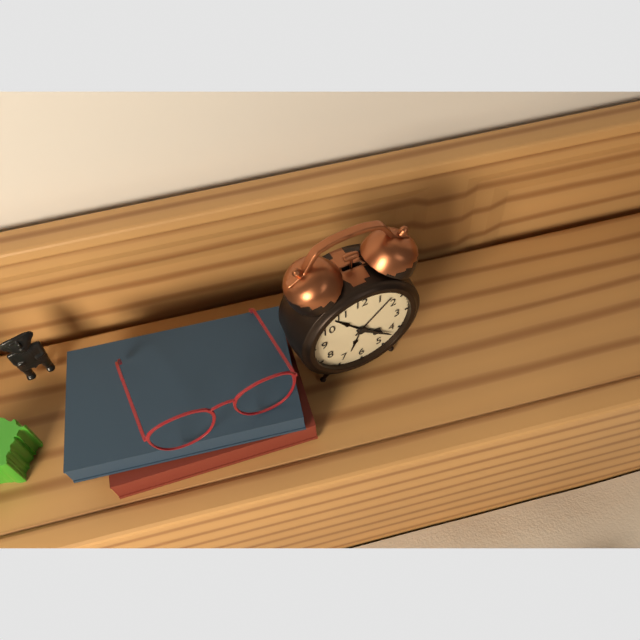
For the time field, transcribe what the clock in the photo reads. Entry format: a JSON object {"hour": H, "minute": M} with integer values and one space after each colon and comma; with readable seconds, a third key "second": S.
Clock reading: {"hour": 4, "minute": 22}
